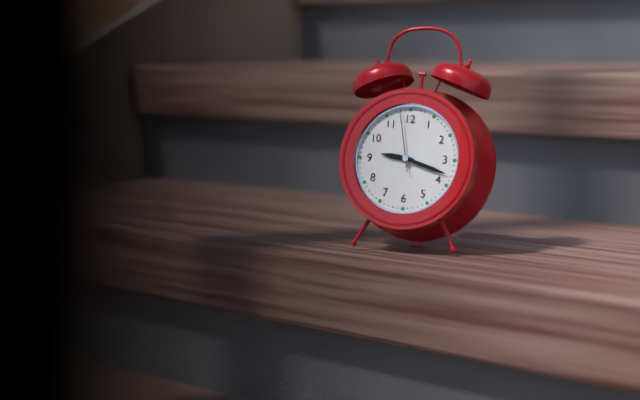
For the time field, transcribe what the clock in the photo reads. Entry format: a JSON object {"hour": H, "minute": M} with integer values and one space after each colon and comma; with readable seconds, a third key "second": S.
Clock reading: {"hour": 9, "minute": 18, "second": 58}
